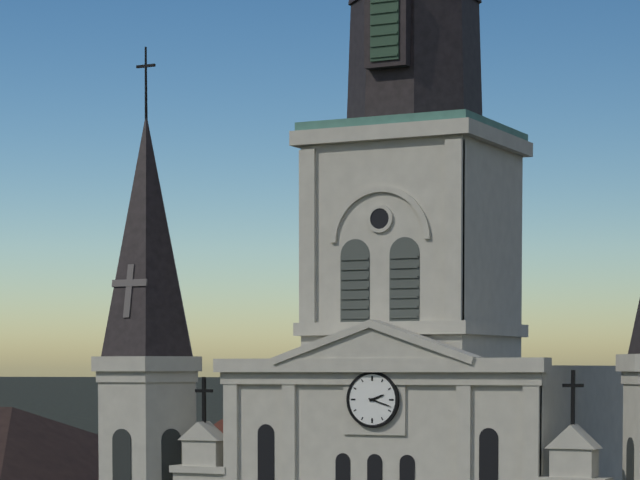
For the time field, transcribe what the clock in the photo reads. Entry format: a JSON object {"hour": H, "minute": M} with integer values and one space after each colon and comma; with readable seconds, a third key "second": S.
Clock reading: {"hour": 2, "minute": 18}
